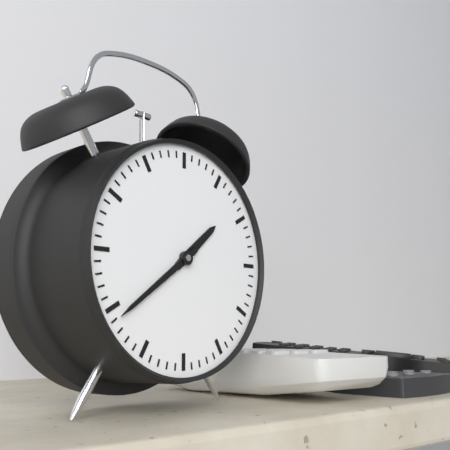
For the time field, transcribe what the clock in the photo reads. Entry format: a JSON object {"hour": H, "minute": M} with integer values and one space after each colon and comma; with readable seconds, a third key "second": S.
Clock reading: {"hour": 1, "minute": 39}
